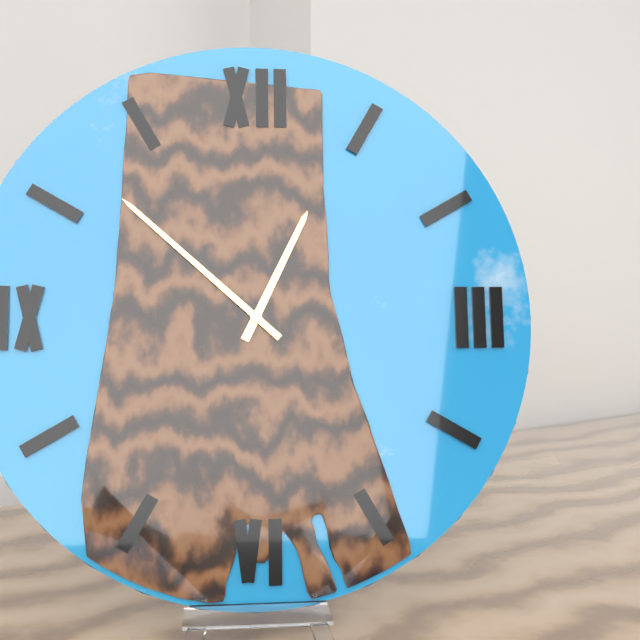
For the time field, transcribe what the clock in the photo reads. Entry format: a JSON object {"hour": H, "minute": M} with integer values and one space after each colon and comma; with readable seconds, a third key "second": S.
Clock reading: {"hour": 12, "minute": 52}
